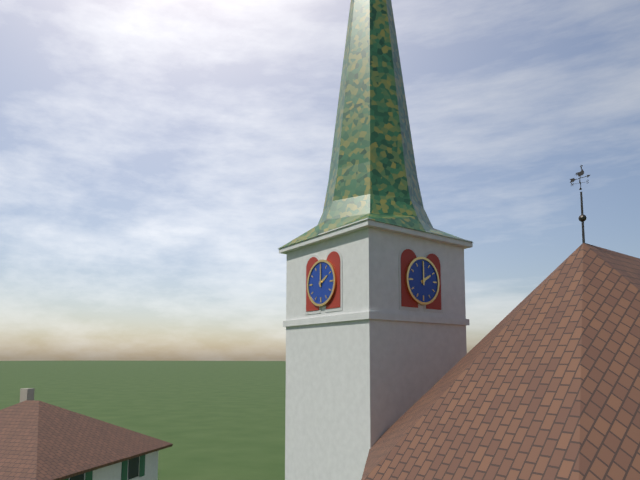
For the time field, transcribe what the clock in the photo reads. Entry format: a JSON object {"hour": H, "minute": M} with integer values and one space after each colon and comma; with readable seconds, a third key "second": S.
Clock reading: {"hour": 2, "minute": 0}
